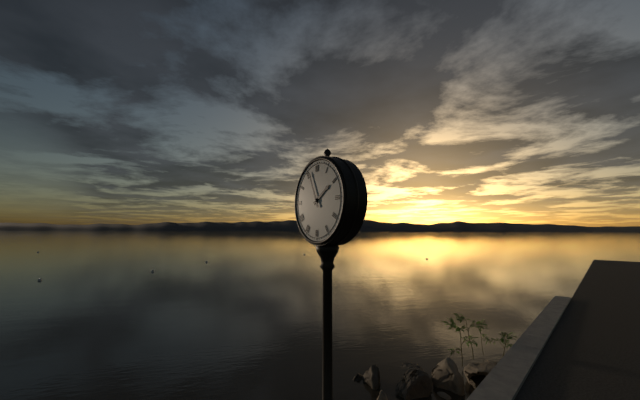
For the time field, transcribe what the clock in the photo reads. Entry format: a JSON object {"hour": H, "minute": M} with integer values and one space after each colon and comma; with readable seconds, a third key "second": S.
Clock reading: {"hour": 1, "minute": 56}
